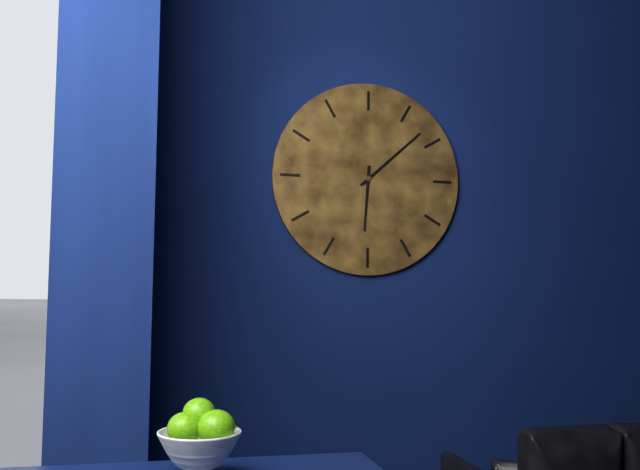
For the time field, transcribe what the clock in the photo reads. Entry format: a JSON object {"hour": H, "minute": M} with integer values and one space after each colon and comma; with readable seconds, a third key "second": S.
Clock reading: {"hour": 6, "minute": 8}
